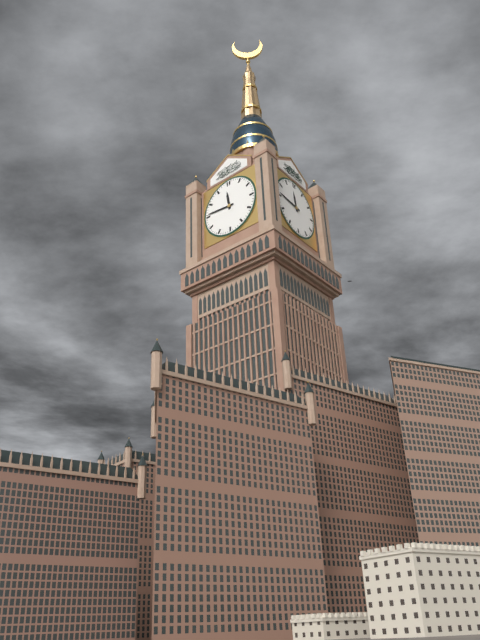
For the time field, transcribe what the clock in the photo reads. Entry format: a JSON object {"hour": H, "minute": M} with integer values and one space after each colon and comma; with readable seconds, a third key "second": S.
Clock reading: {"hour": 11, "minute": 46}
